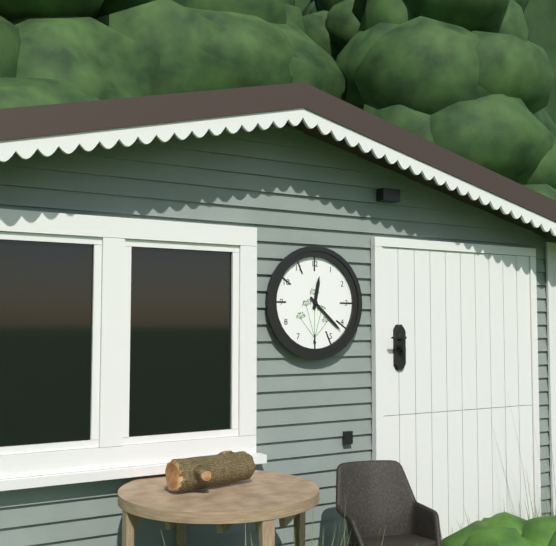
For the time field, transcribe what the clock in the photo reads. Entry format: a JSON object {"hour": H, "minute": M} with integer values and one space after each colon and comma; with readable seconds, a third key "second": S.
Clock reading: {"hour": 12, "minute": 22}
